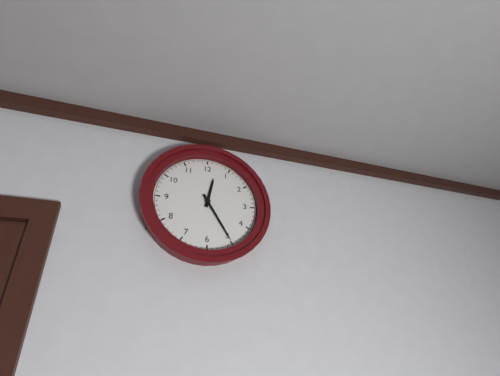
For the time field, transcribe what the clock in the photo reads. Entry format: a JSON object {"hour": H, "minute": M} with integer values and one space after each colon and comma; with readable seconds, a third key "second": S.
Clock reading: {"hour": 12, "minute": 25}
